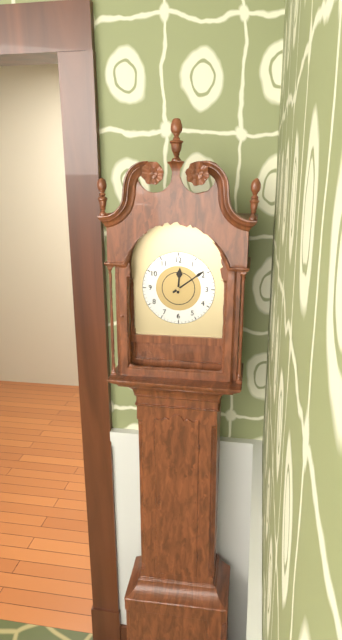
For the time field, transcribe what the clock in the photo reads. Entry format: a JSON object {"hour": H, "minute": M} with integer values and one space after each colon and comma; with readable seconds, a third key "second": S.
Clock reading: {"hour": 12, "minute": 9}
